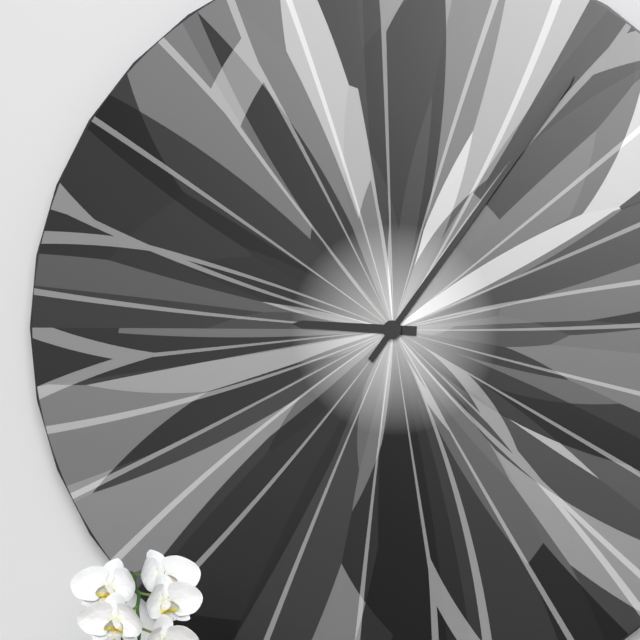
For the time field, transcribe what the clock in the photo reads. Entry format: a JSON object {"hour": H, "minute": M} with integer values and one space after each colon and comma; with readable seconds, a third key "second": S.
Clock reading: {"hour": 9, "minute": 6}
